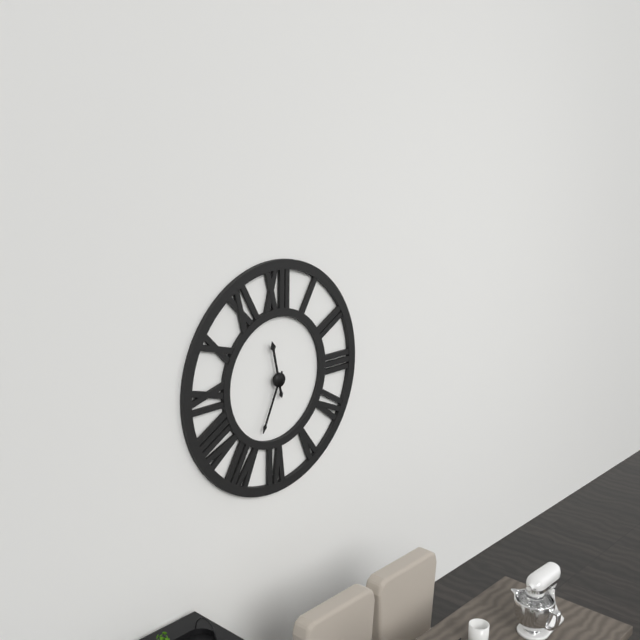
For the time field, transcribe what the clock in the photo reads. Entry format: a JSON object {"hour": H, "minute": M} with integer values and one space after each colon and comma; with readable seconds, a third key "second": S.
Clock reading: {"hour": 11, "minute": 34}
